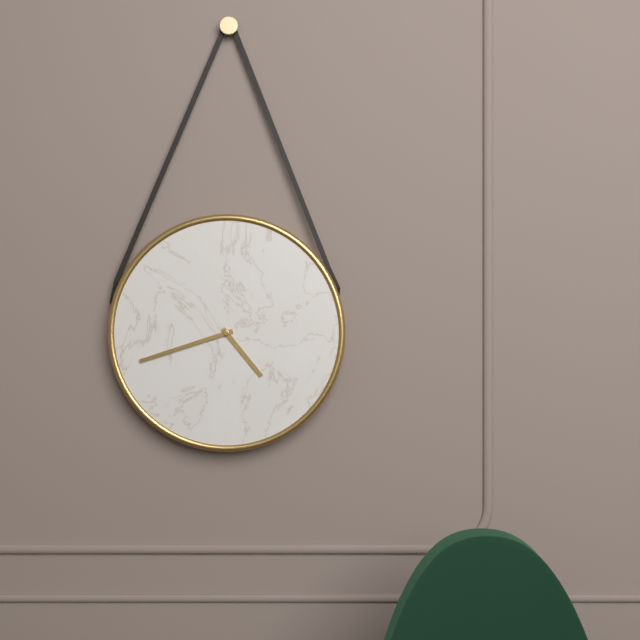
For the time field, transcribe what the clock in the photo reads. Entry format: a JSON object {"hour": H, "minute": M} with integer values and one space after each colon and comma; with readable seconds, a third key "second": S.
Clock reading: {"hour": 4, "minute": 42}
